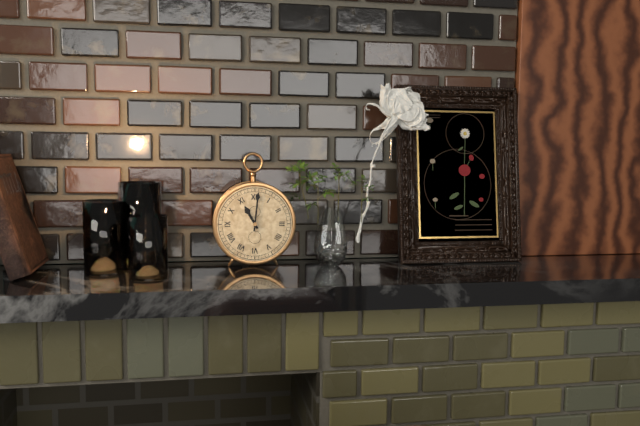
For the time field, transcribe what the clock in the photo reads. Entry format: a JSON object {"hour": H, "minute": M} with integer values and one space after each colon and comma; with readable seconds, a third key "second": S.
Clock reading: {"hour": 11, "minute": 1}
